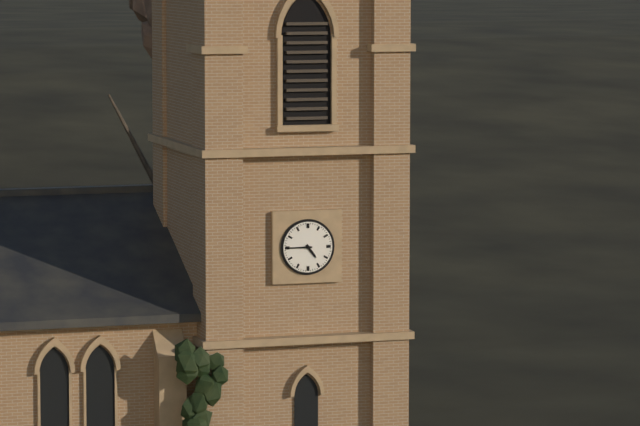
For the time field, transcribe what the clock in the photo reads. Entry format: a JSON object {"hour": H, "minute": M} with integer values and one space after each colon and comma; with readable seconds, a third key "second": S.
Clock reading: {"hour": 4, "minute": 45}
